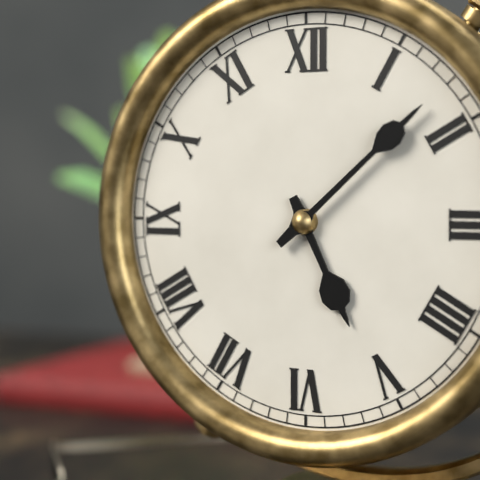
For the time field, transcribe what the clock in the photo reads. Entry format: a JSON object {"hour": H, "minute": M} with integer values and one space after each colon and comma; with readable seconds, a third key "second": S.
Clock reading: {"hour": 5, "minute": 8}
